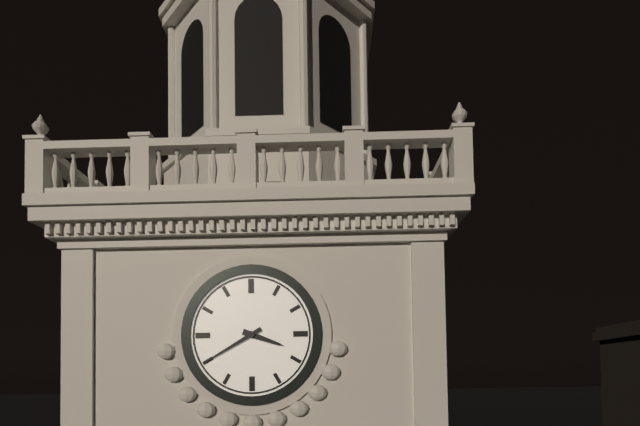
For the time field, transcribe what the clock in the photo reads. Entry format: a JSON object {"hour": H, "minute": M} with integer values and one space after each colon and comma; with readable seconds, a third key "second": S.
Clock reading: {"hour": 3, "minute": 40}
